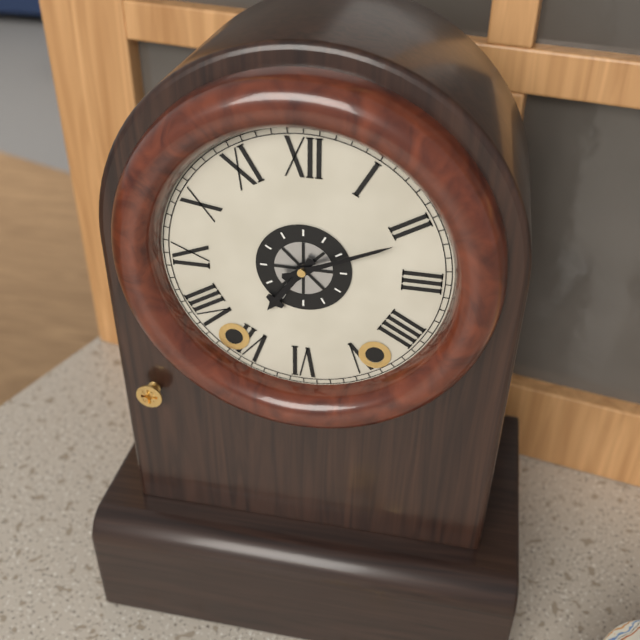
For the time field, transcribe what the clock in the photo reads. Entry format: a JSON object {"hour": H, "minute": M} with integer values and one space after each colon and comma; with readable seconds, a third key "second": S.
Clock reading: {"hour": 7, "minute": 11}
